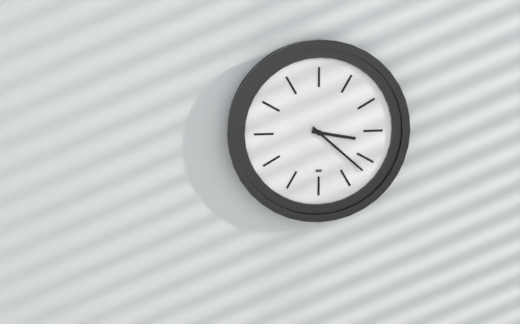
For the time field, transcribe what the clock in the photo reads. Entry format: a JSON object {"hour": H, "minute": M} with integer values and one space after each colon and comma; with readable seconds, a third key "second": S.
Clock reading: {"hour": 3, "minute": 22}
